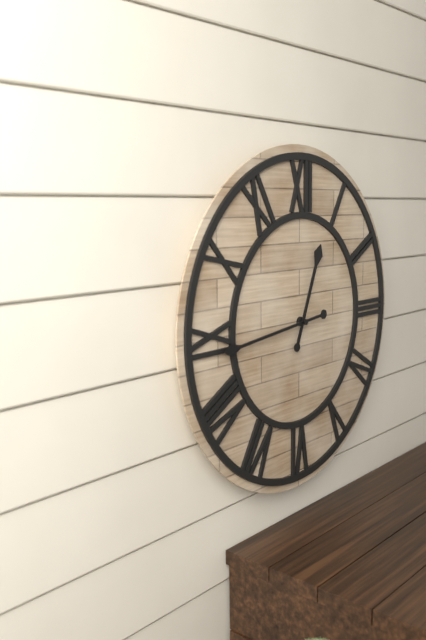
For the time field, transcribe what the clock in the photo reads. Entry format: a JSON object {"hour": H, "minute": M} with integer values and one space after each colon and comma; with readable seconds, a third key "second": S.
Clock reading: {"hour": 12, "minute": 44}
